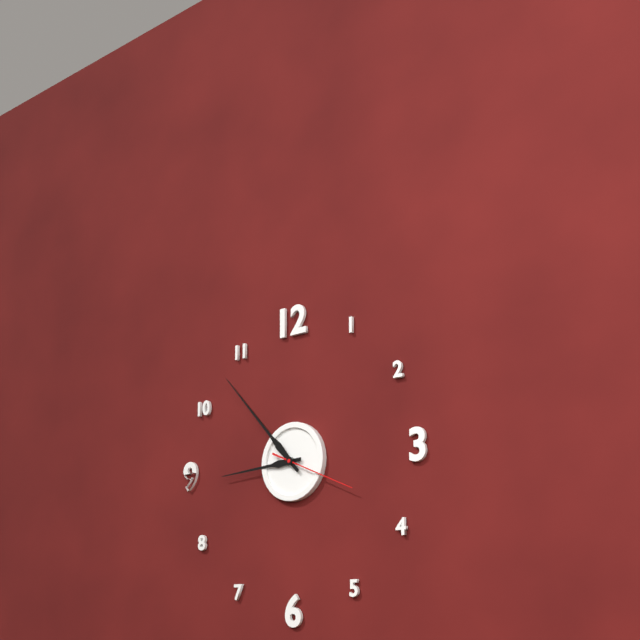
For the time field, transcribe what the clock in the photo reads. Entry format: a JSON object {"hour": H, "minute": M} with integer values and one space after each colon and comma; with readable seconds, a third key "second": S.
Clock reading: {"hour": 8, "minute": 53, "second": 19}
